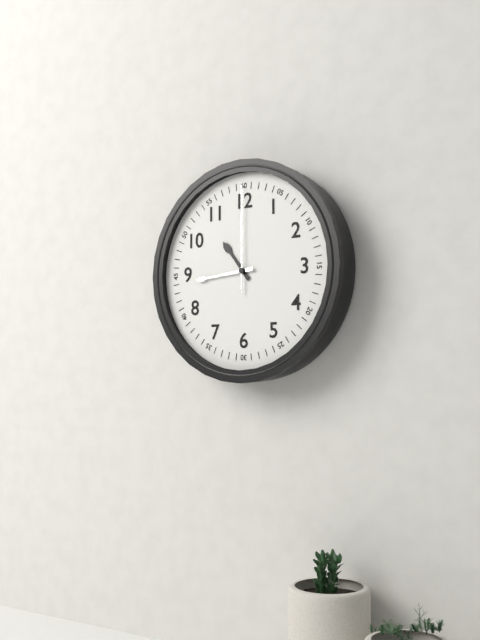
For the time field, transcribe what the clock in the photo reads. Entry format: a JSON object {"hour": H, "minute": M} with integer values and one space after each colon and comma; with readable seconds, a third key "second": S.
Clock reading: {"hour": 10, "minute": 44, "second": 0}
